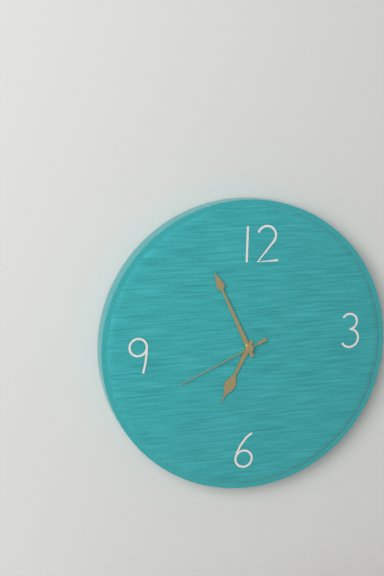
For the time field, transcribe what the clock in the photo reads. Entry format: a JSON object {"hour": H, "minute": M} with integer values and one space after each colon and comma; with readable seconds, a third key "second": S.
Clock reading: {"hour": 6, "minute": 56, "second": 41}
